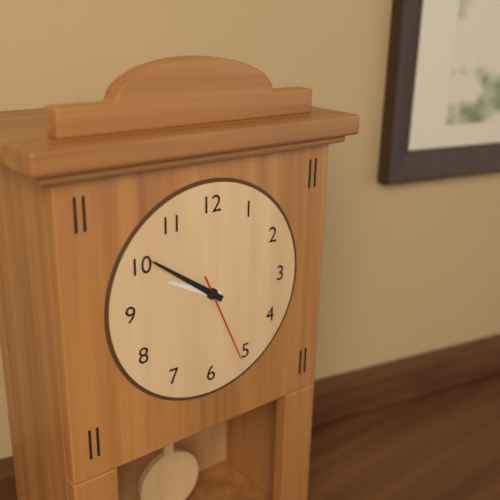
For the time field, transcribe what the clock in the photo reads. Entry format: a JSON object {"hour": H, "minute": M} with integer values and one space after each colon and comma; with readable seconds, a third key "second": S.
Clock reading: {"hour": 9, "minute": 51, "second": 26}
